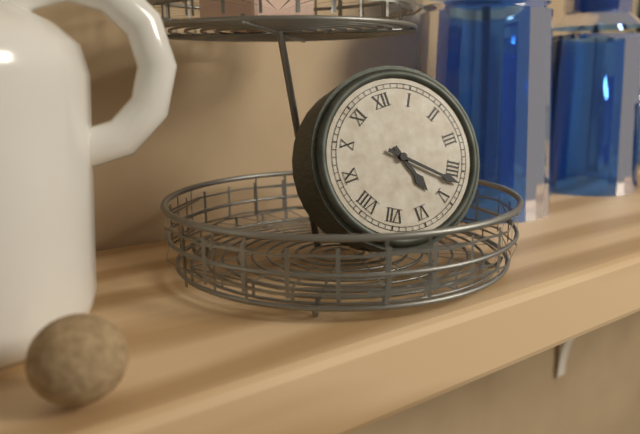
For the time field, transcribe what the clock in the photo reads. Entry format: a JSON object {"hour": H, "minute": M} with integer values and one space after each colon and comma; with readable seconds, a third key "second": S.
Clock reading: {"hour": 5, "minute": 22}
